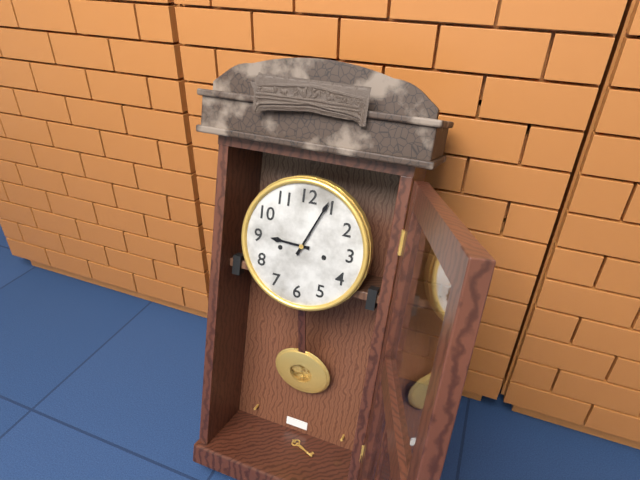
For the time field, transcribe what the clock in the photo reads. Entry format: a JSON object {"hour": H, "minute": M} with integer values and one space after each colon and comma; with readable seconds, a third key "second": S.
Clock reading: {"hour": 9, "minute": 4}
